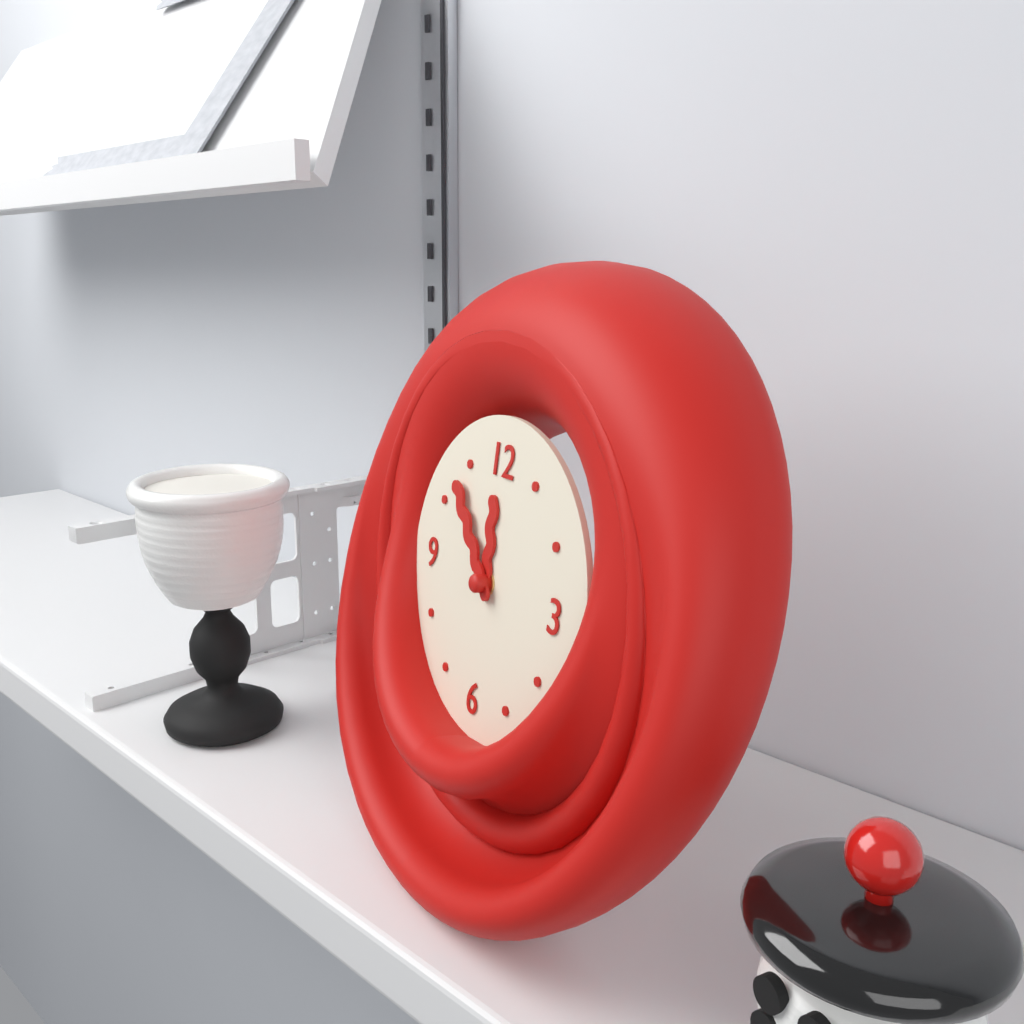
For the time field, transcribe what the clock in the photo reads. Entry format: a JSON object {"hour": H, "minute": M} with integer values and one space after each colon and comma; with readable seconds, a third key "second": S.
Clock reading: {"hour": 11, "minute": 53}
